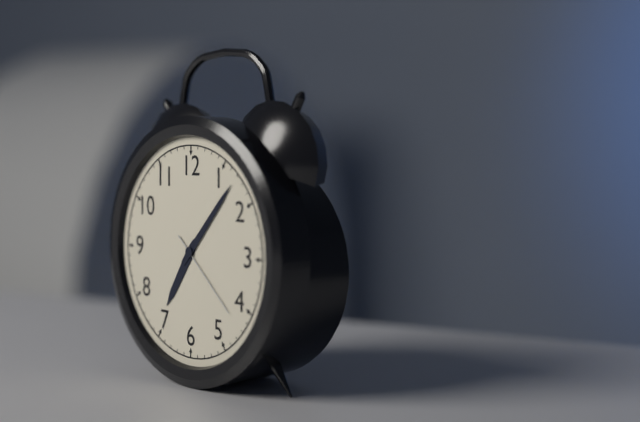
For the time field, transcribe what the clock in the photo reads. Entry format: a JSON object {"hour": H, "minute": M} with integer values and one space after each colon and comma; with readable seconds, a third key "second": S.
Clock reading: {"hour": 7, "minute": 7, "second": 22}
